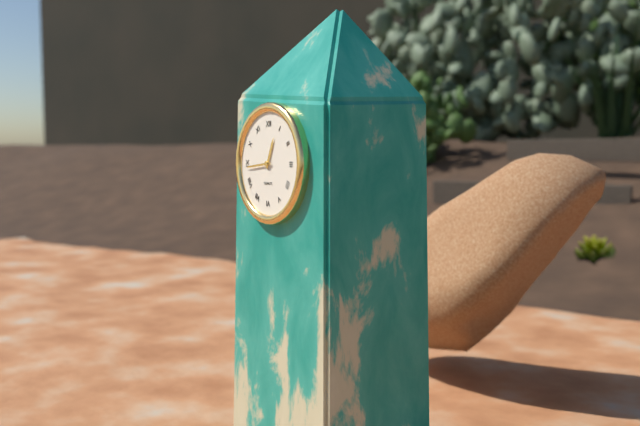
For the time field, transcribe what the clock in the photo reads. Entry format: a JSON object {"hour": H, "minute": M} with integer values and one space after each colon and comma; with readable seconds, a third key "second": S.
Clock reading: {"hour": 12, "minute": 44}
